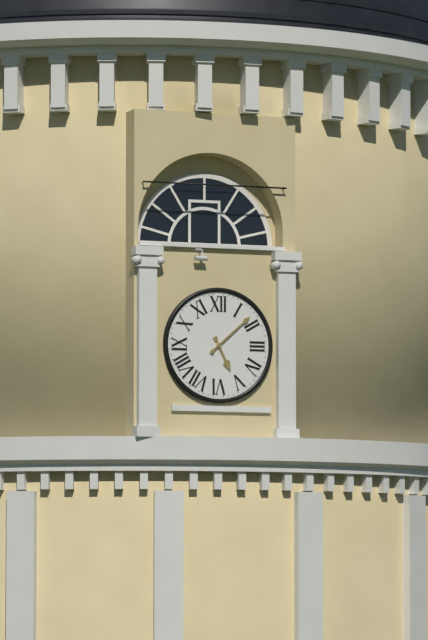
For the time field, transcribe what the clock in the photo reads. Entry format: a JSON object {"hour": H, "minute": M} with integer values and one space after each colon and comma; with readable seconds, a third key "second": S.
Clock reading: {"hour": 5, "minute": 8}
